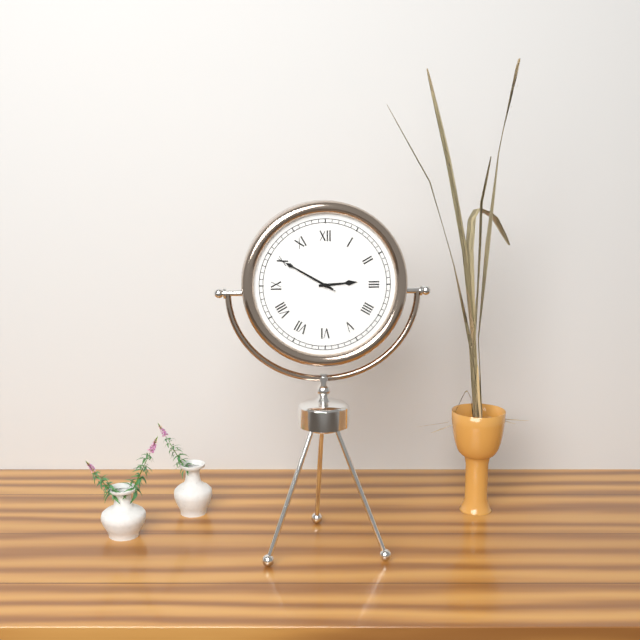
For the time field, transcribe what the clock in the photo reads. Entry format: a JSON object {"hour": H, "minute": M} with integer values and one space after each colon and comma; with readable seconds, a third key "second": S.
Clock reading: {"hour": 2, "minute": 50, "second": 50}
